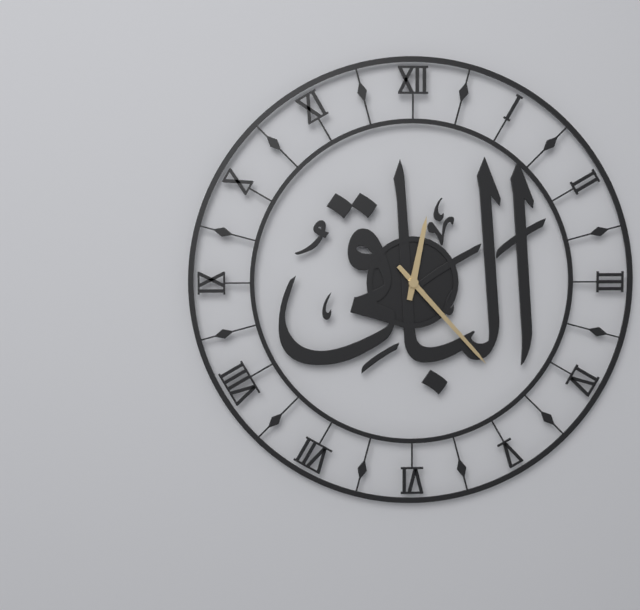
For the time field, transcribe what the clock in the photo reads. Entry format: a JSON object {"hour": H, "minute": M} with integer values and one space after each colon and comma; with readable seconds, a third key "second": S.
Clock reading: {"hour": 12, "minute": 23}
